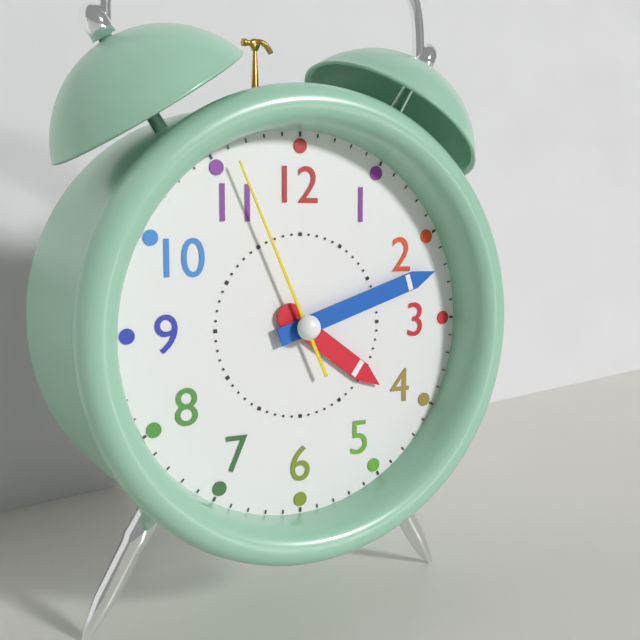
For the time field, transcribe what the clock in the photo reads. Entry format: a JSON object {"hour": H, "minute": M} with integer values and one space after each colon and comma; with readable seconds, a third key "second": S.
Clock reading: {"hour": 4, "minute": 12, "second": 56}
